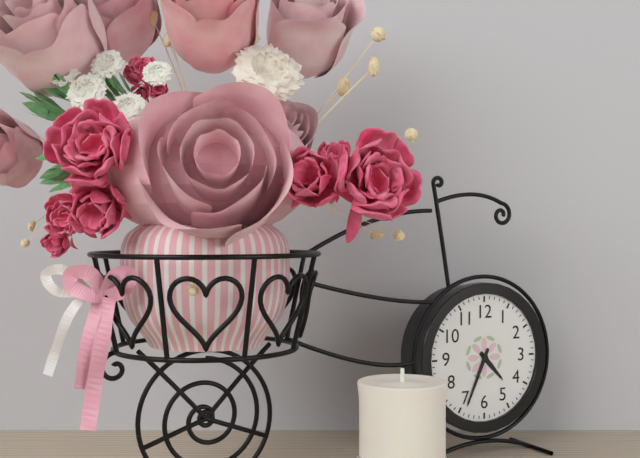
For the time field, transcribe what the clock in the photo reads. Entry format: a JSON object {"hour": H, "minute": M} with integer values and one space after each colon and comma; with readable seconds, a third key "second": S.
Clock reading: {"hour": 4, "minute": 34}
